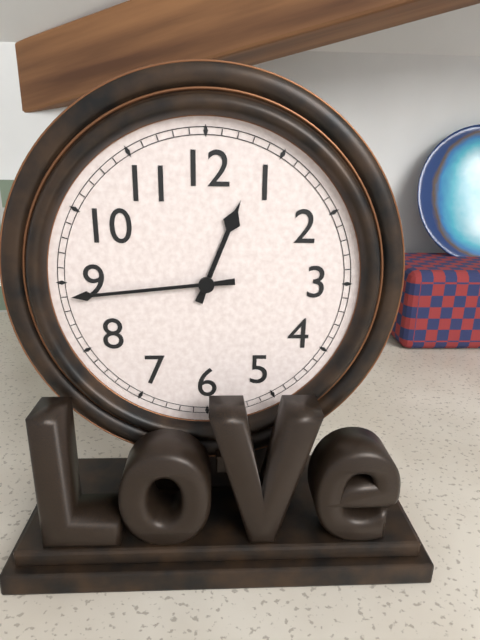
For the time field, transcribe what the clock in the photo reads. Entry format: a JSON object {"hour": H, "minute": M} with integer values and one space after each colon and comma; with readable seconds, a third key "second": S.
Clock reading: {"hour": 12, "minute": 44}
